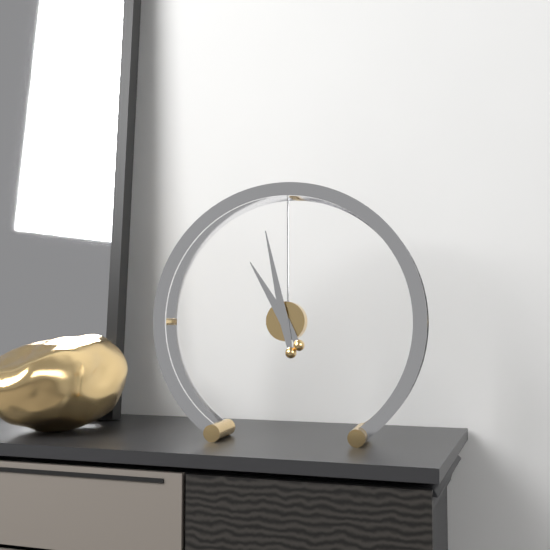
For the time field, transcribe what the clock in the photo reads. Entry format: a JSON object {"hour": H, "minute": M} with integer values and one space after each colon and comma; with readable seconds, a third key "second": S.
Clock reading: {"hour": 10, "minute": 58}
